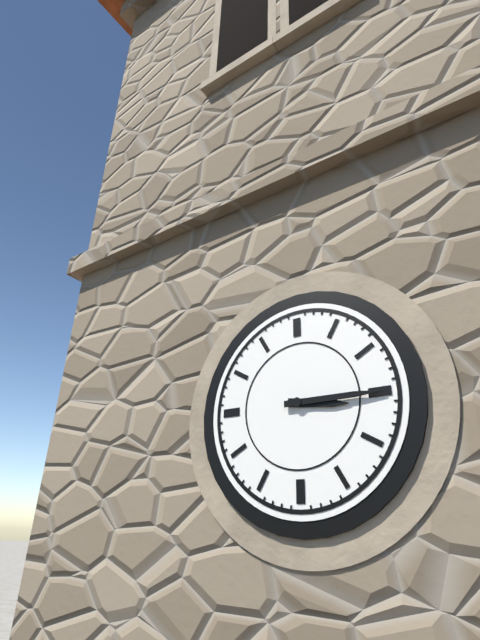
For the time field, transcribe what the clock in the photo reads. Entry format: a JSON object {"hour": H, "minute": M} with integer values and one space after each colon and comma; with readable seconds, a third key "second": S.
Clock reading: {"hour": 3, "minute": 15}
